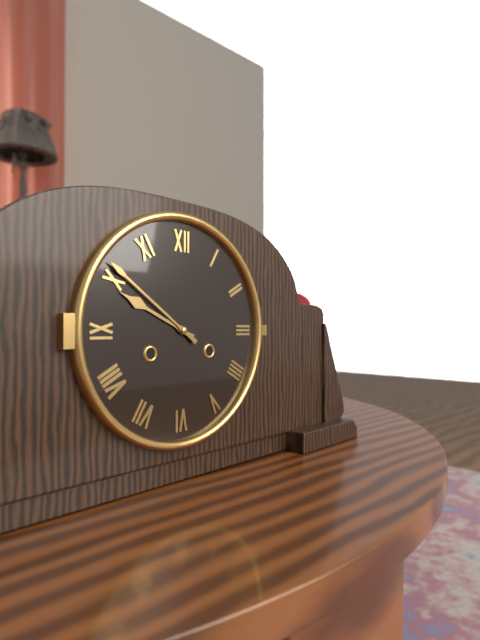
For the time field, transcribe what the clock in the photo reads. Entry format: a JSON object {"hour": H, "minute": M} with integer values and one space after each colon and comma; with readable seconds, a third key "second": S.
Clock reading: {"hour": 9, "minute": 51}
